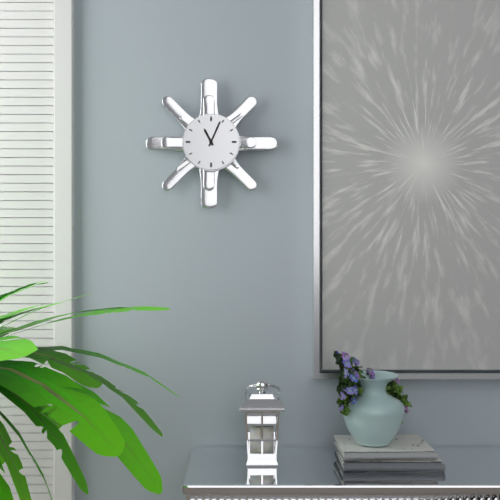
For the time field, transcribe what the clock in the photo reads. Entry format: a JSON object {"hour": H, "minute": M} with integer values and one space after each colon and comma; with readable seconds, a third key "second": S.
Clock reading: {"hour": 11, "minute": 4}
